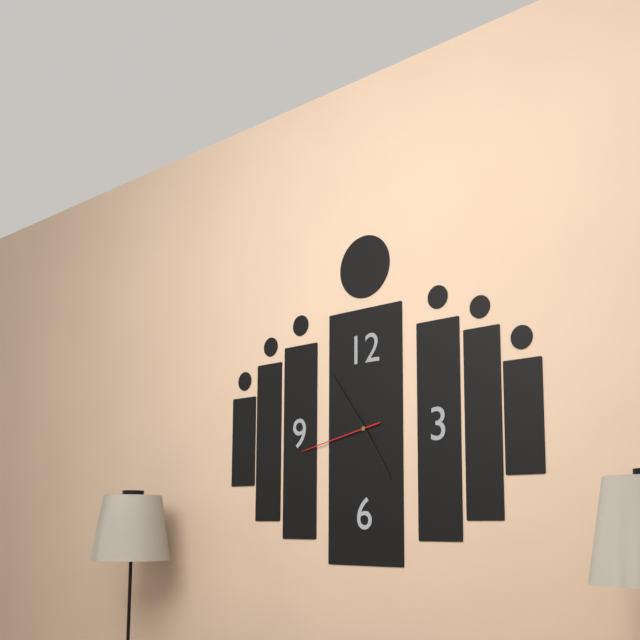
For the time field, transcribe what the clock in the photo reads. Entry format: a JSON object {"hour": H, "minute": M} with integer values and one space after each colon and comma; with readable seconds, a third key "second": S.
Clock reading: {"hour": 4, "minute": 54, "second": 43}
